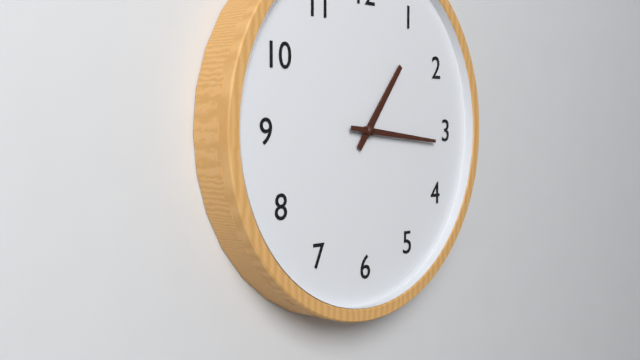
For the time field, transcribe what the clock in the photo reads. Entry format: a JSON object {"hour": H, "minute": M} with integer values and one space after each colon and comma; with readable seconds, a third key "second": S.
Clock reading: {"hour": 1, "minute": 16}
